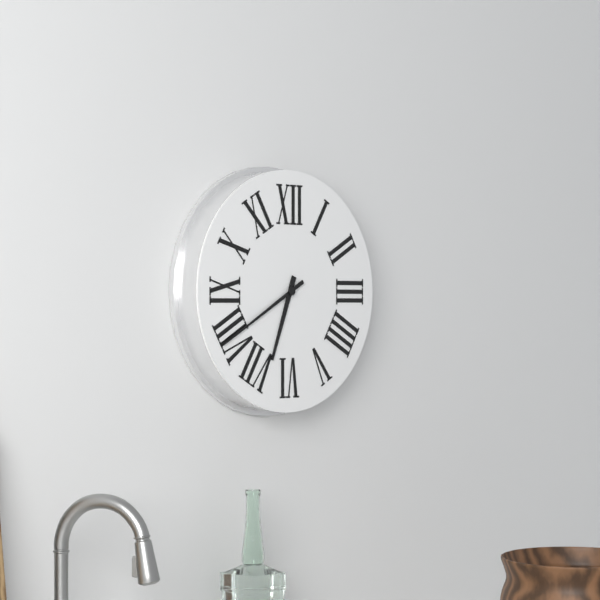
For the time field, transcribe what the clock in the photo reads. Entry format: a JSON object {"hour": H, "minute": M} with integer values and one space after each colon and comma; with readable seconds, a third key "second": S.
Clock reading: {"hour": 6, "minute": 40}
